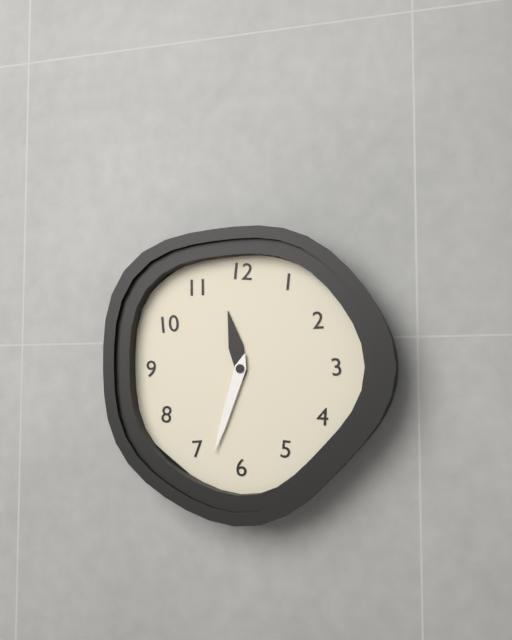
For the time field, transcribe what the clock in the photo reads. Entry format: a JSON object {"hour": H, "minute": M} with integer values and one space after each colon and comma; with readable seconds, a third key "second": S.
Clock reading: {"hour": 11, "minute": 33}
